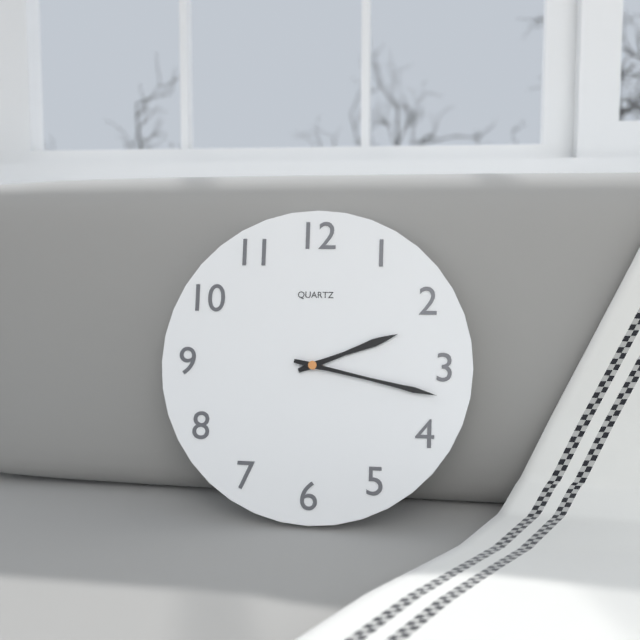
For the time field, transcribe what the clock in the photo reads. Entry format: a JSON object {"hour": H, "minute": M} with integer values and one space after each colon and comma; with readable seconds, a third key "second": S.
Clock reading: {"hour": 2, "minute": 17}
